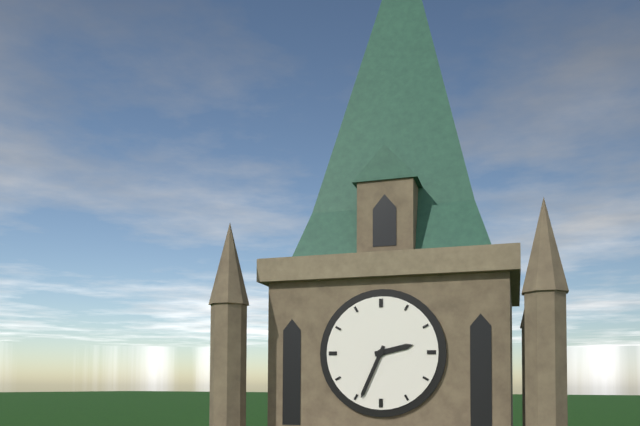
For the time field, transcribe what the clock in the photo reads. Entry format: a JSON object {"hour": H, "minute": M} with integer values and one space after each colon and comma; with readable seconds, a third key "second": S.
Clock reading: {"hour": 2, "minute": 34}
